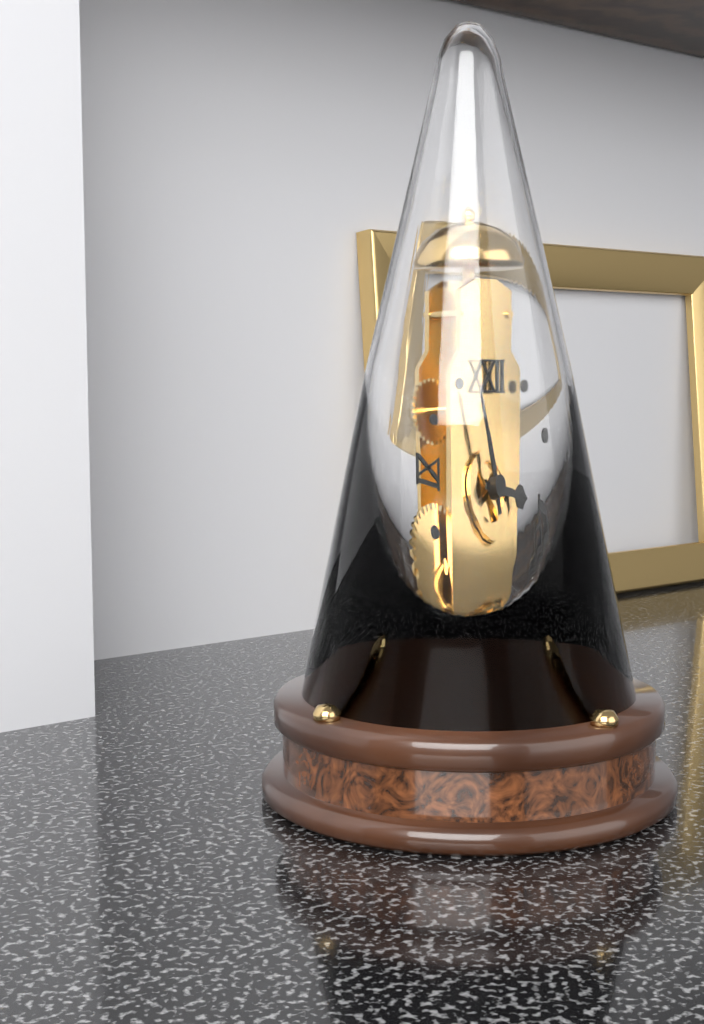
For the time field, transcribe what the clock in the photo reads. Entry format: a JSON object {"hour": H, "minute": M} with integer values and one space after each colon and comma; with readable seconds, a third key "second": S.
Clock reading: {"hour": 2, "minute": 57}
